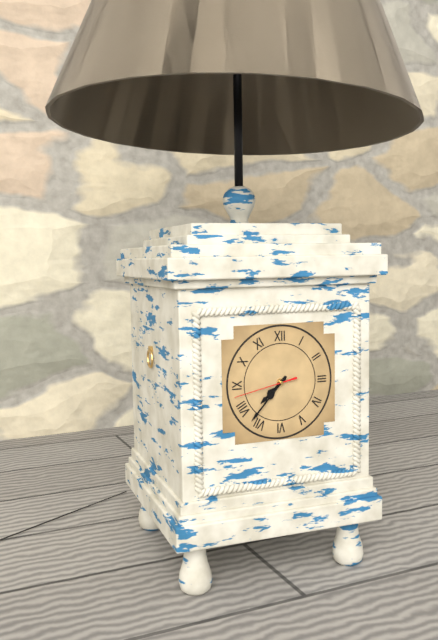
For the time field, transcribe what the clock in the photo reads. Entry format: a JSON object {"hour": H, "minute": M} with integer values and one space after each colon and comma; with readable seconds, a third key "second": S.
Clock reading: {"hour": 7, "minute": 37, "second": 43}
